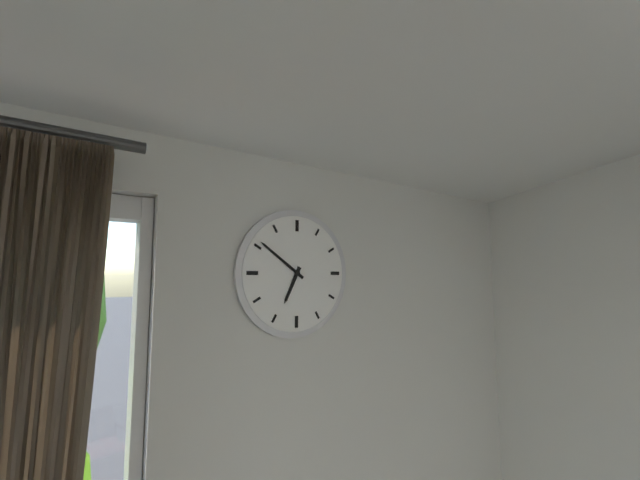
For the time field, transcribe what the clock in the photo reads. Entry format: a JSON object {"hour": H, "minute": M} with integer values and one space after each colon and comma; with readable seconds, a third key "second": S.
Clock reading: {"hour": 6, "minute": 51}
